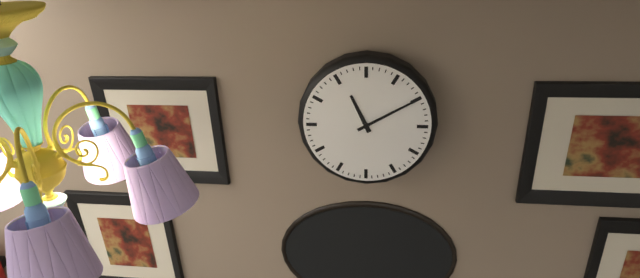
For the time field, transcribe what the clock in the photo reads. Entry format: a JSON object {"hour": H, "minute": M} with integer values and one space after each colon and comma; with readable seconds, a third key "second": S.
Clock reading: {"hour": 11, "minute": 10}
